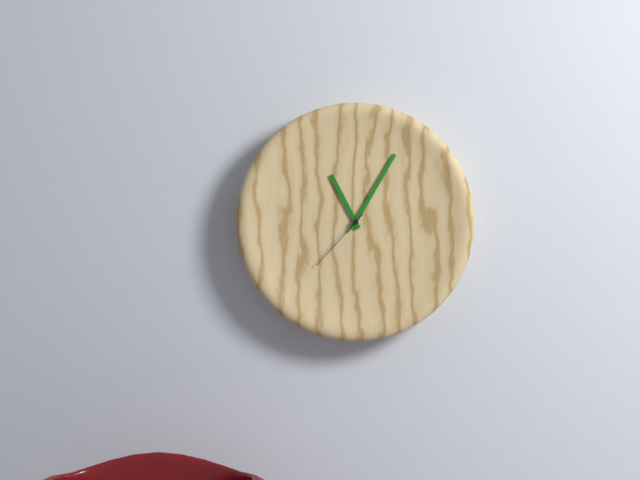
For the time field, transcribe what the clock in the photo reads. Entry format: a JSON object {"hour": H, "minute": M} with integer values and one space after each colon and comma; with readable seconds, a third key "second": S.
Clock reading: {"hour": 11, "minute": 5, "second": 37}
